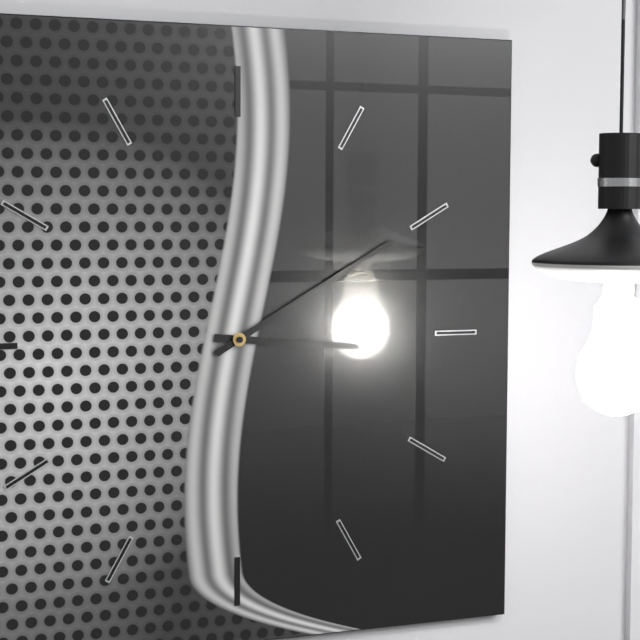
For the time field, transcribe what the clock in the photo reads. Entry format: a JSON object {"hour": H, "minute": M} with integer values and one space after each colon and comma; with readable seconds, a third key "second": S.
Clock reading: {"hour": 3, "minute": 10}
